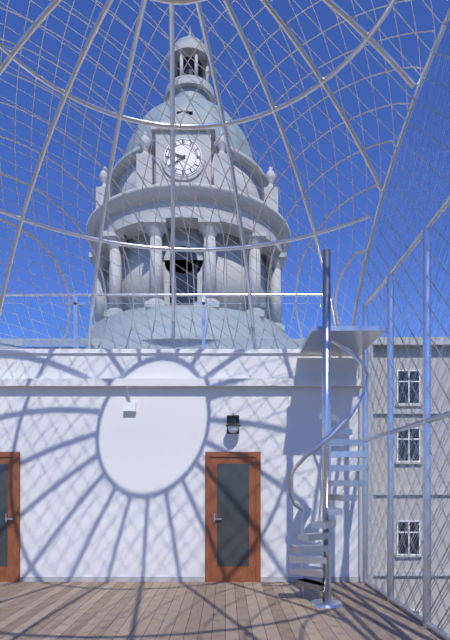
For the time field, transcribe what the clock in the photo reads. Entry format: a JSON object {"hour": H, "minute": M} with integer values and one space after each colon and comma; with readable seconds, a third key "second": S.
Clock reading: {"hour": 9, "minute": 39}
